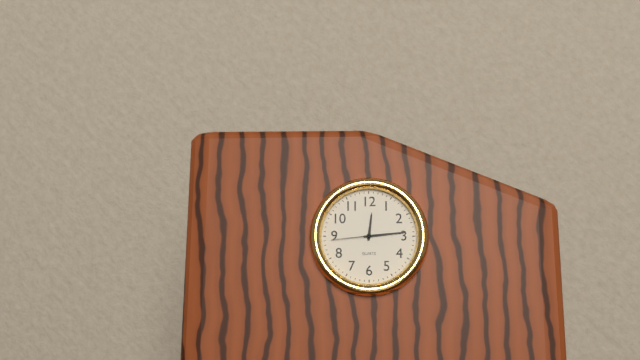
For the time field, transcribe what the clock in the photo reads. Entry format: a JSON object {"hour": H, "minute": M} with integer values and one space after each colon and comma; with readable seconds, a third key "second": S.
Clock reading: {"hour": 12, "minute": 14}
